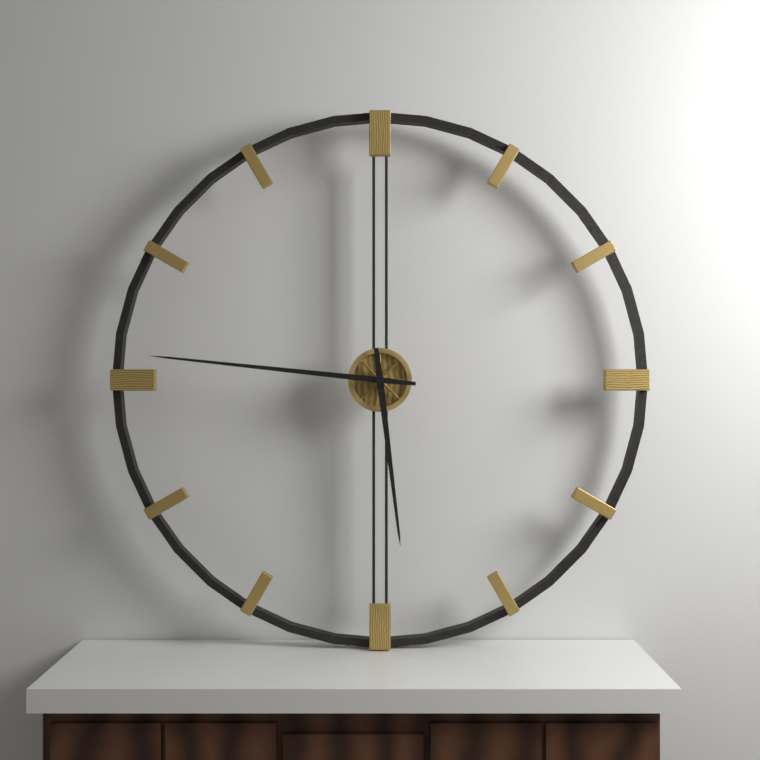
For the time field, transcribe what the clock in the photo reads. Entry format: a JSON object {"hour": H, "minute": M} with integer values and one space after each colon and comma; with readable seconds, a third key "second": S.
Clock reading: {"hour": 5, "minute": 46}
